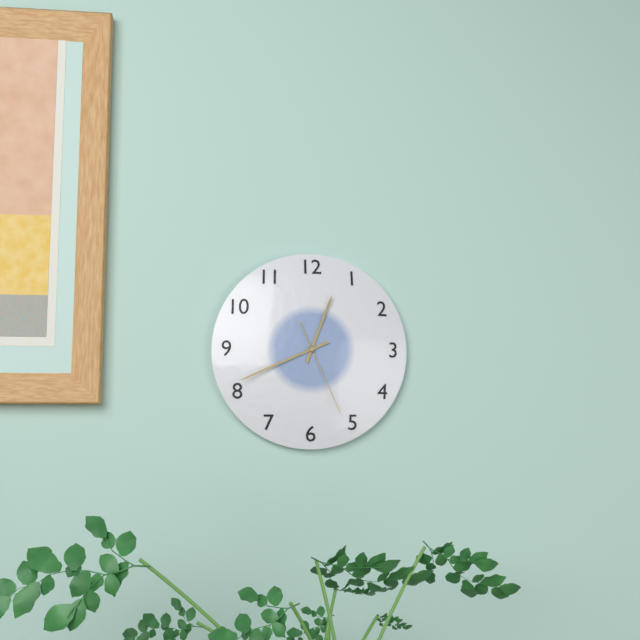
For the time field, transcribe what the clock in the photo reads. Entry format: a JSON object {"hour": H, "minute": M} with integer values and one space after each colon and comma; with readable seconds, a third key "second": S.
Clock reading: {"hour": 12, "minute": 41, "second": 26}
